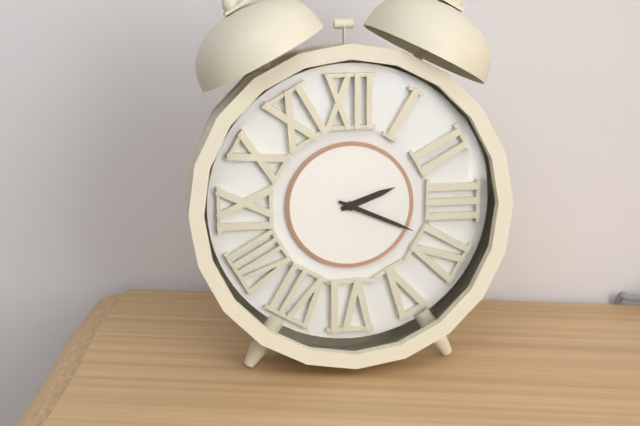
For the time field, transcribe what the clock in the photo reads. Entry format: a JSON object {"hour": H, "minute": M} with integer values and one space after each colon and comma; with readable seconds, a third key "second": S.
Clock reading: {"hour": 2, "minute": 19}
